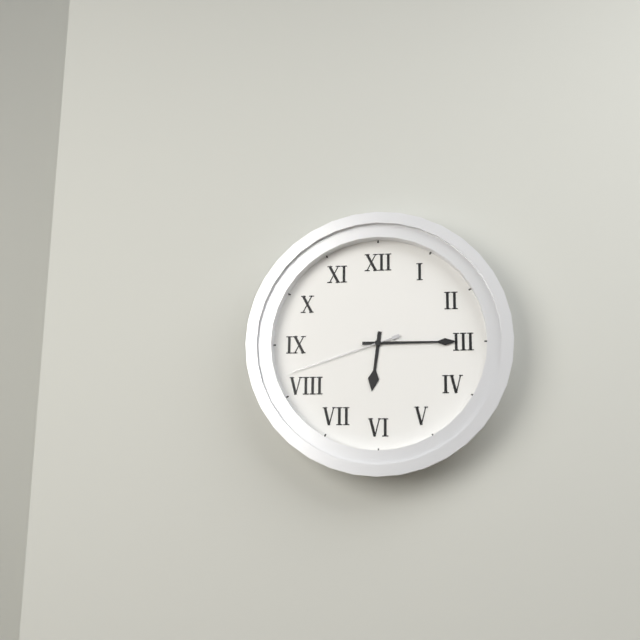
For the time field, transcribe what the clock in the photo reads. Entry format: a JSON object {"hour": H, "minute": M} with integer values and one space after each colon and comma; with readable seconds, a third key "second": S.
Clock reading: {"hour": 6, "minute": 15, "second": 42}
